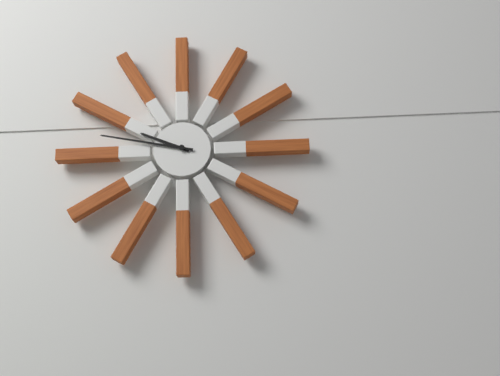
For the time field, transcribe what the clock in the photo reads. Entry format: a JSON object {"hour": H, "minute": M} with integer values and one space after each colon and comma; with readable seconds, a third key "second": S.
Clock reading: {"hour": 9, "minute": 47}
